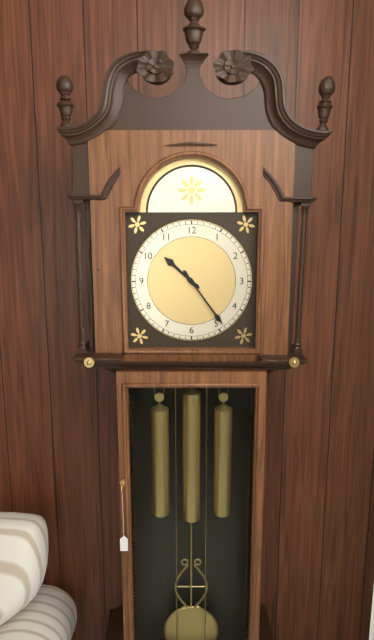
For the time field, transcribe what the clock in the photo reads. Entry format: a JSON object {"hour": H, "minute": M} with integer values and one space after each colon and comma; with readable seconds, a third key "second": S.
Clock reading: {"hour": 10, "minute": 24}
